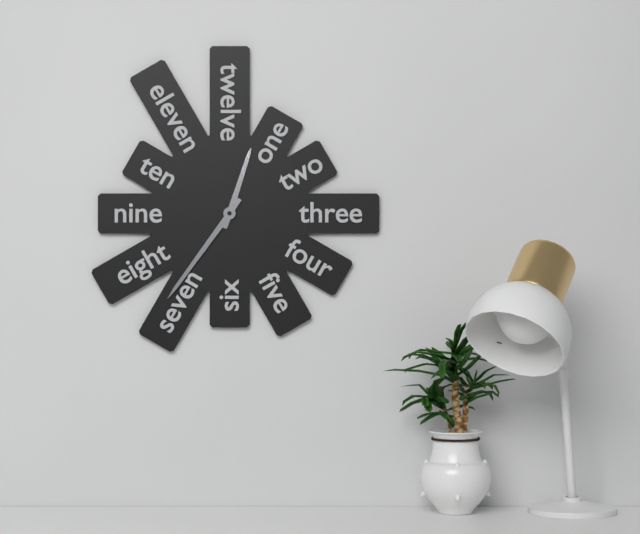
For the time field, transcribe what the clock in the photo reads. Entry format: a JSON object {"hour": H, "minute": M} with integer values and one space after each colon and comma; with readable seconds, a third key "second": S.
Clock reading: {"hour": 12, "minute": 36}
